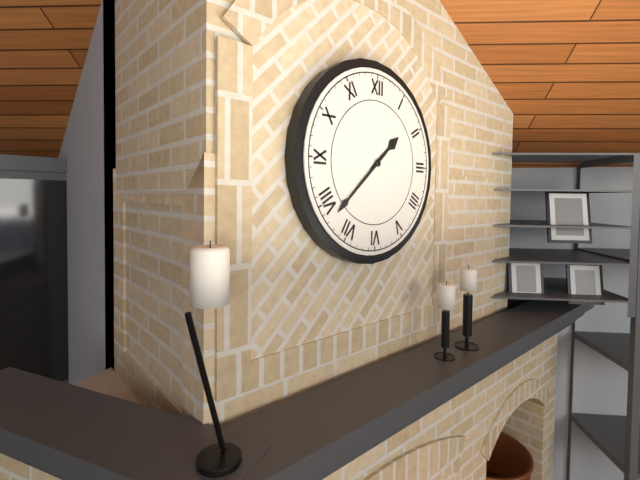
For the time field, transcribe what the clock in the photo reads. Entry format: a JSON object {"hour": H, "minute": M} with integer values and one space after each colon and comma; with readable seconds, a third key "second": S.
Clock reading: {"hour": 1, "minute": 38}
